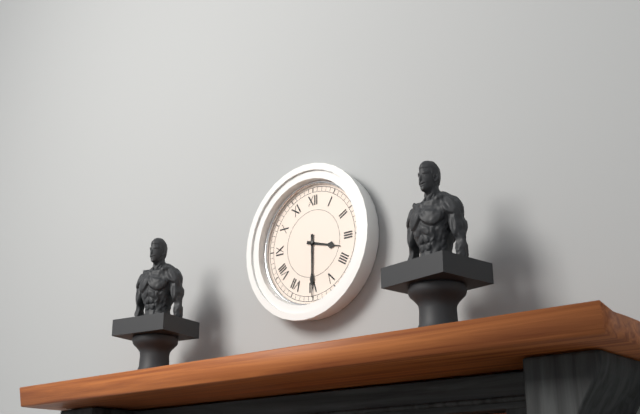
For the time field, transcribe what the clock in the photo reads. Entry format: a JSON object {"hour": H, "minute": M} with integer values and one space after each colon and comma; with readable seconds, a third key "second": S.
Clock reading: {"hour": 3, "minute": 30}
